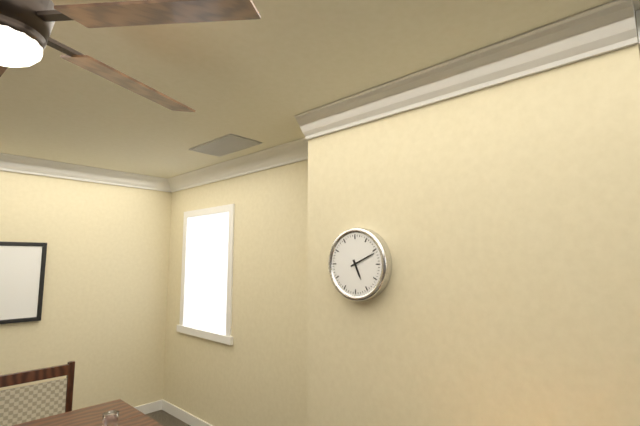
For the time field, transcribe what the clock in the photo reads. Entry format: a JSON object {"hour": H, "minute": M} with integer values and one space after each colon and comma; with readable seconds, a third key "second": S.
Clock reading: {"hour": 5, "minute": 11}
